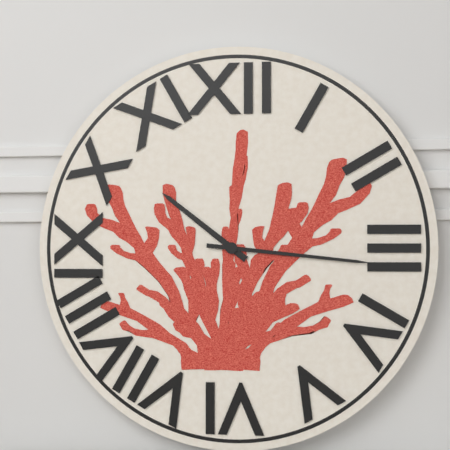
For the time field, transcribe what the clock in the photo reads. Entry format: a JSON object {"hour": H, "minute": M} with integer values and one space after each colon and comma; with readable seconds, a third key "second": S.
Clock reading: {"hour": 10, "minute": 16}
